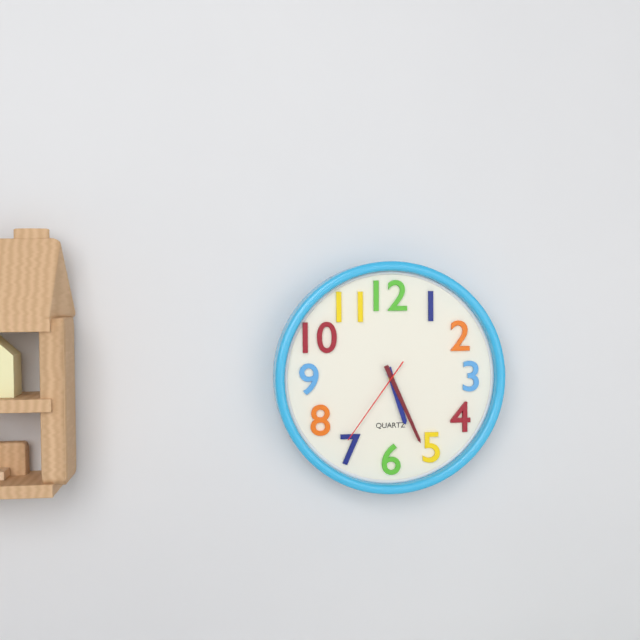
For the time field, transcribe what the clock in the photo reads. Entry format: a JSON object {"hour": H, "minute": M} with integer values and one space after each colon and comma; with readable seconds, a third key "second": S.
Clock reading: {"hour": 5, "minute": 26, "second": 36}
